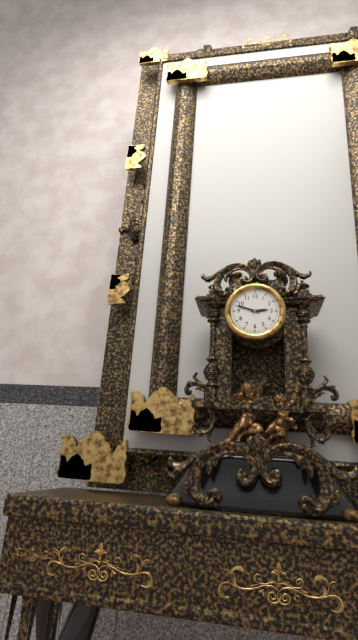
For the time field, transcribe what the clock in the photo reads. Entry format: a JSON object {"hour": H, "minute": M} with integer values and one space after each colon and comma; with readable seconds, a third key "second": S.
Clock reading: {"hour": 2, "minute": 48}
